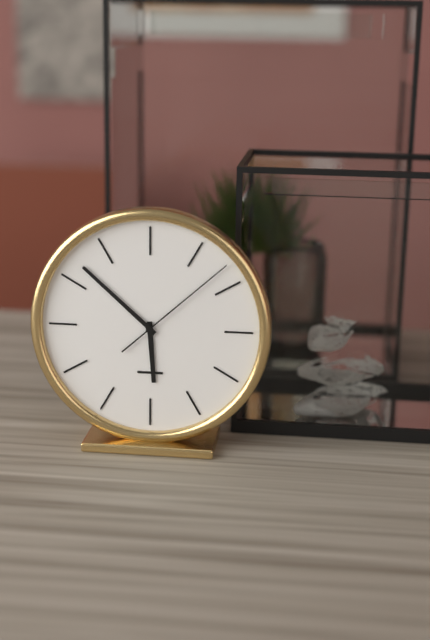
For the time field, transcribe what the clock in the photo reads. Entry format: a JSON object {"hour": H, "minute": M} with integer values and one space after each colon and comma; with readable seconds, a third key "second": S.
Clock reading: {"hour": 5, "minute": 52, "second": 8}
